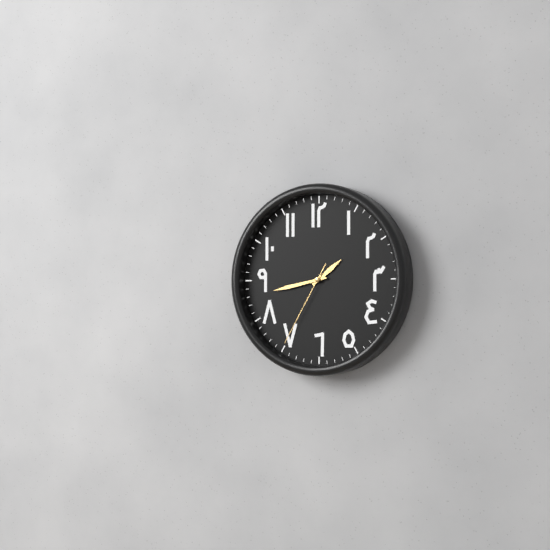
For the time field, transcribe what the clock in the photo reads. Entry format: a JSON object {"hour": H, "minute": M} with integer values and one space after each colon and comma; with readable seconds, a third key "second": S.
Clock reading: {"hour": 1, "minute": 43, "second": 35}
